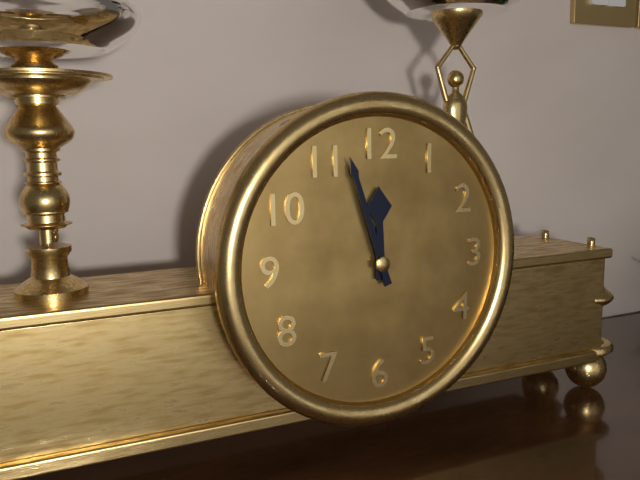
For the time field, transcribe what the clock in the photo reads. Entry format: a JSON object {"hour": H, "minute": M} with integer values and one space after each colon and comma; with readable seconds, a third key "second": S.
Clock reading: {"hour": 11, "minute": 57}
